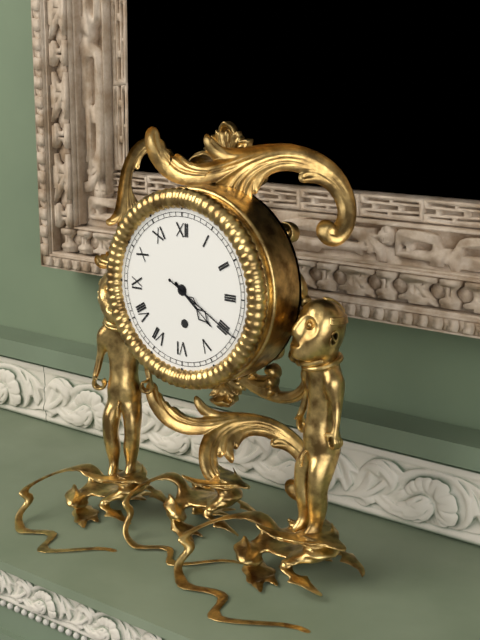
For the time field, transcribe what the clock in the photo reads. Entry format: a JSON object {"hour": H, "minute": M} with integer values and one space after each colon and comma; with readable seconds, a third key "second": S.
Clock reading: {"hour": 4, "minute": 20}
